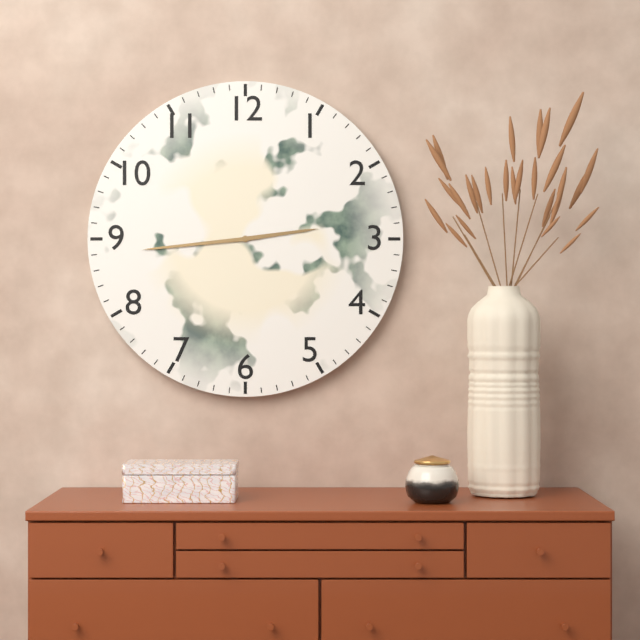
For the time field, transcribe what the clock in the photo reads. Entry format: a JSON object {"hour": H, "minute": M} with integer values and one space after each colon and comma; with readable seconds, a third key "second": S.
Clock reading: {"hour": 2, "minute": 44}
